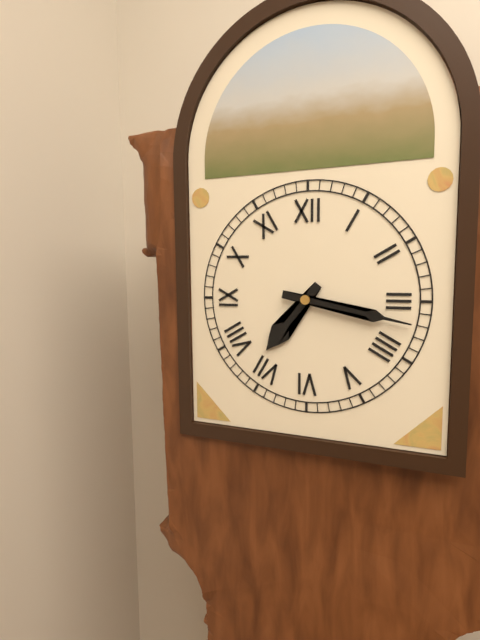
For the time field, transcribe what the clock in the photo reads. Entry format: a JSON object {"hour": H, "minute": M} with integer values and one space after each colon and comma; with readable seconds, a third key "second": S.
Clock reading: {"hour": 7, "minute": 17}
